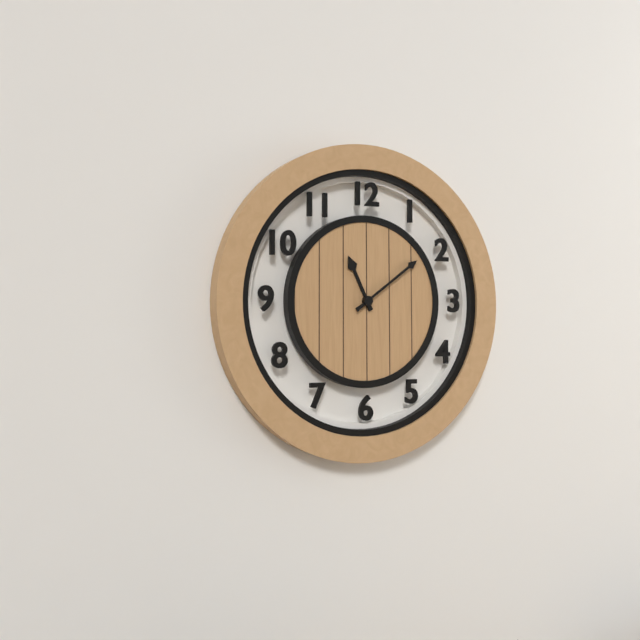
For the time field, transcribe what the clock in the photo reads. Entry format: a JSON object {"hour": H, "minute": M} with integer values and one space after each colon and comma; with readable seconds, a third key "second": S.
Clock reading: {"hour": 11, "minute": 9}
